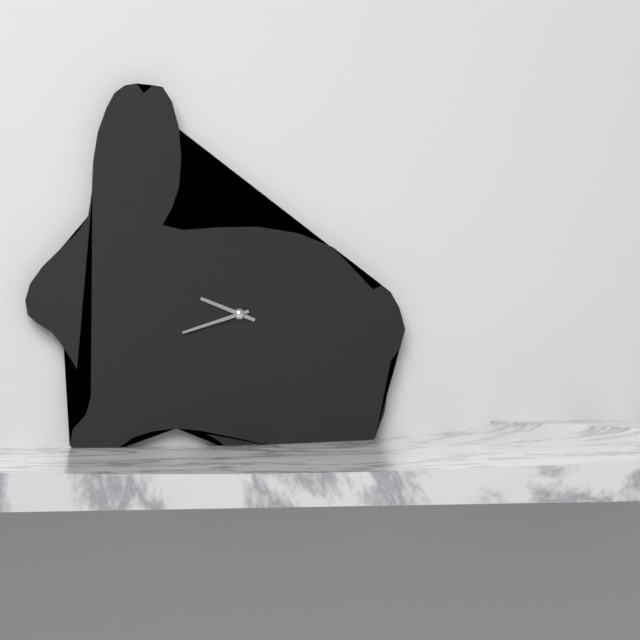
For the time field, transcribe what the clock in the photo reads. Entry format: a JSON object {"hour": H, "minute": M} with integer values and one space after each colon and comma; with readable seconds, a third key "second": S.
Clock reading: {"hour": 9, "minute": 42}
